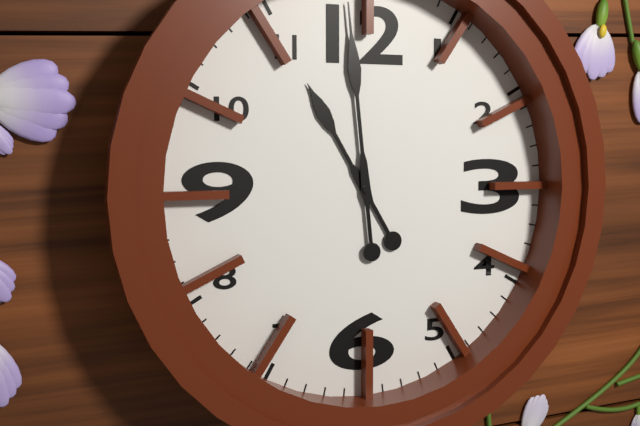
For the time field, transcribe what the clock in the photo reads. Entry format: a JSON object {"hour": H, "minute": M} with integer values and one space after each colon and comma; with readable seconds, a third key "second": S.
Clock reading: {"hour": 10, "minute": 59}
